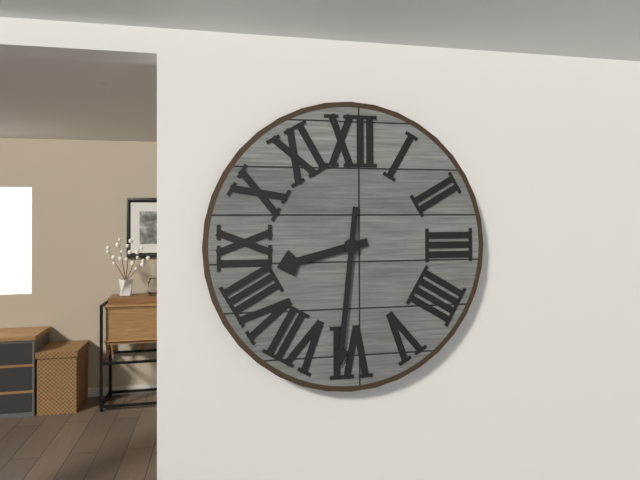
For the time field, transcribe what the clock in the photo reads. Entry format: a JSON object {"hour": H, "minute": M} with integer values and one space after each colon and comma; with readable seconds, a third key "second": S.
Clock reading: {"hour": 8, "minute": 31}
